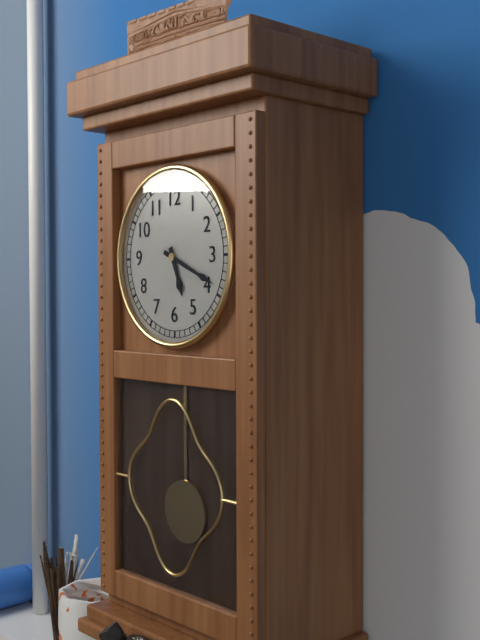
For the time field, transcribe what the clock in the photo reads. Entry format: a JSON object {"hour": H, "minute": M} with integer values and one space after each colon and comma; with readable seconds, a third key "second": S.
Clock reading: {"hour": 5, "minute": 19}
